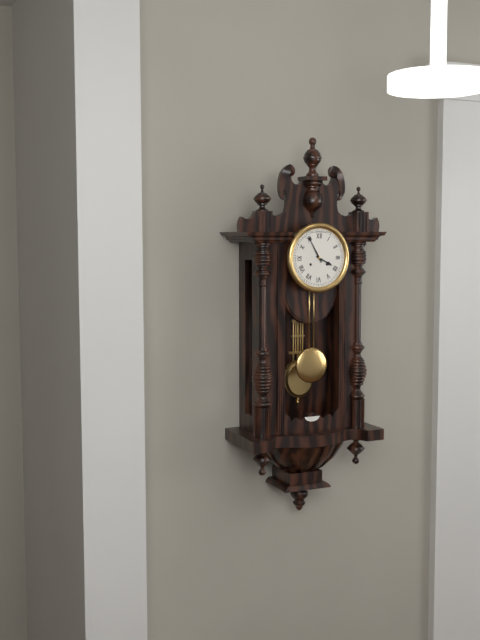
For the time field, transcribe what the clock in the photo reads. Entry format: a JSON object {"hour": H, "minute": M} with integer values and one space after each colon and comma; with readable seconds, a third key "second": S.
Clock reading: {"hour": 3, "minute": 55}
